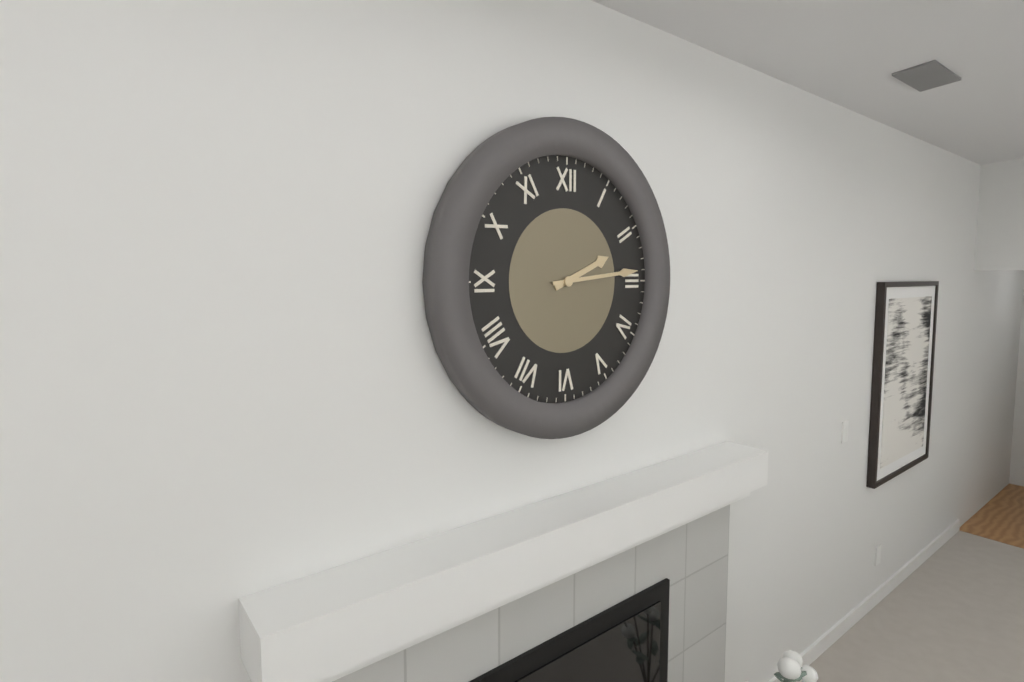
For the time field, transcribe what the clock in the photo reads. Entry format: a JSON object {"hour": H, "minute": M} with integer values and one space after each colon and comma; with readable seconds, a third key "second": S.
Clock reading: {"hour": 2, "minute": 14}
